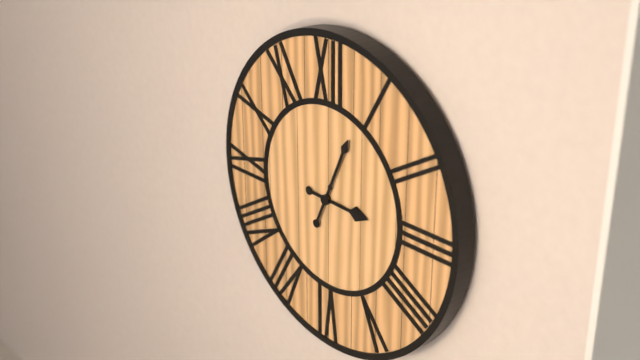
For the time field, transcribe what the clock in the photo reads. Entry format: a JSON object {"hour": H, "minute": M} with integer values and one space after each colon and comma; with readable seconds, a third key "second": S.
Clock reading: {"hour": 3, "minute": 4}
